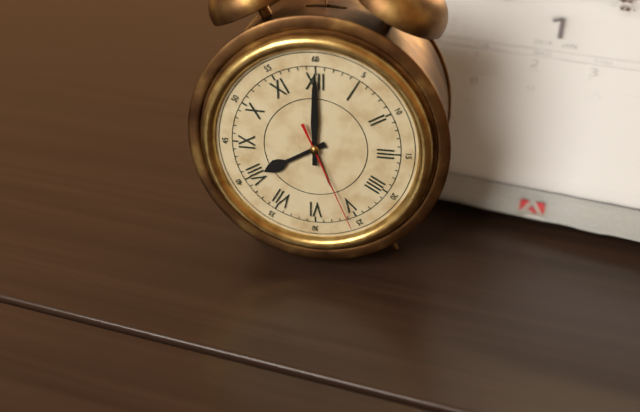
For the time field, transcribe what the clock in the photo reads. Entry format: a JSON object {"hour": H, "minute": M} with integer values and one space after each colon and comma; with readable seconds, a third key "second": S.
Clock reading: {"hour": 8, "minute": 0, "second": 26}
